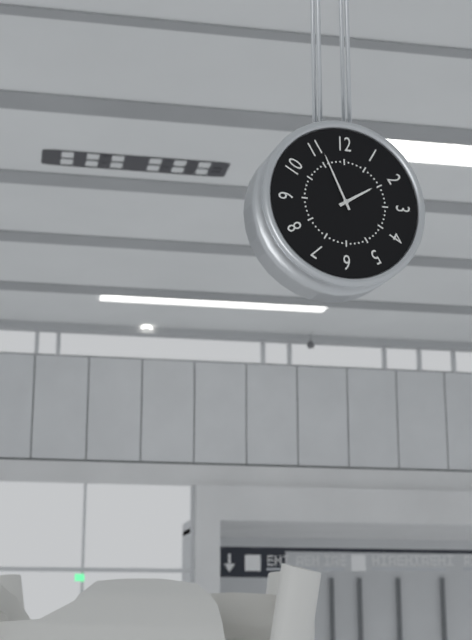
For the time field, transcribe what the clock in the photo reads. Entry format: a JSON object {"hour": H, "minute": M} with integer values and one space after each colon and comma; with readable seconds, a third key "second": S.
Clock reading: {"hour": 1, "minute": 56}
